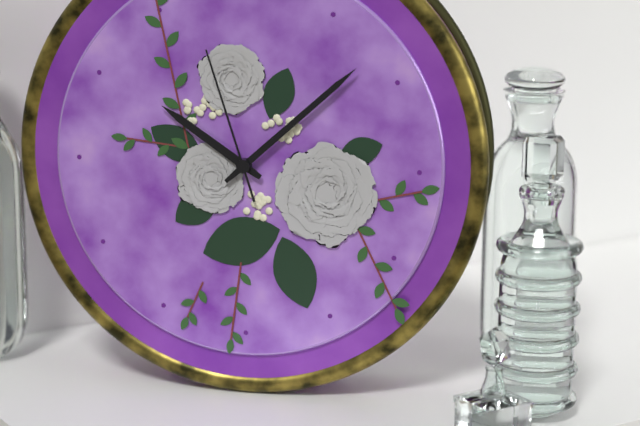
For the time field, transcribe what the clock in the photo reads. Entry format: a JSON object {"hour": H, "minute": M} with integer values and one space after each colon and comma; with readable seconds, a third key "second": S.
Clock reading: {"hour": 10, "minute": 8, "second": 57}
